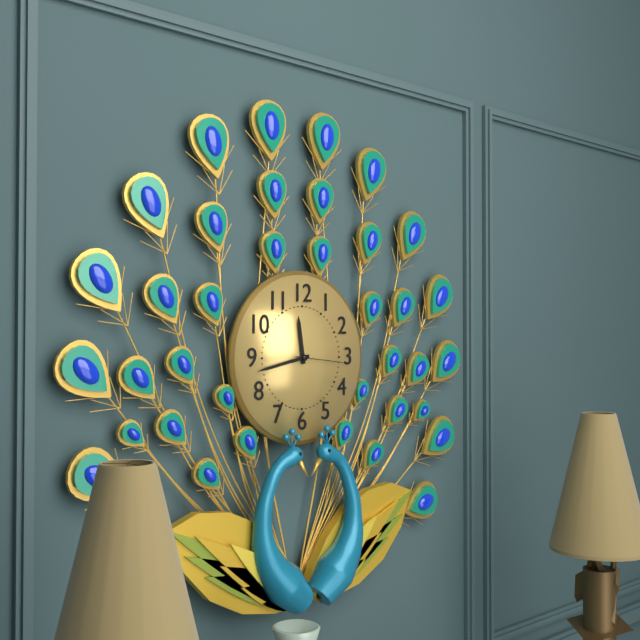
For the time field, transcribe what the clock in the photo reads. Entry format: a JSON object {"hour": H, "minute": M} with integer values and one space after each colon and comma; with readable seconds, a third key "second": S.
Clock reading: {"hour": 11, "minute": 43, "second": 16}
